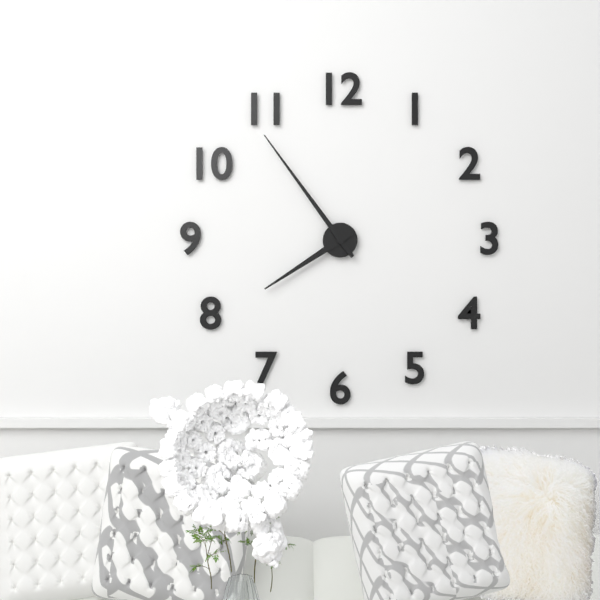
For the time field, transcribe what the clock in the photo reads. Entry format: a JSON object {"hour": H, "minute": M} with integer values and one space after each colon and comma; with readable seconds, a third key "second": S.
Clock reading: {"hour": 7, "minute": 54}
